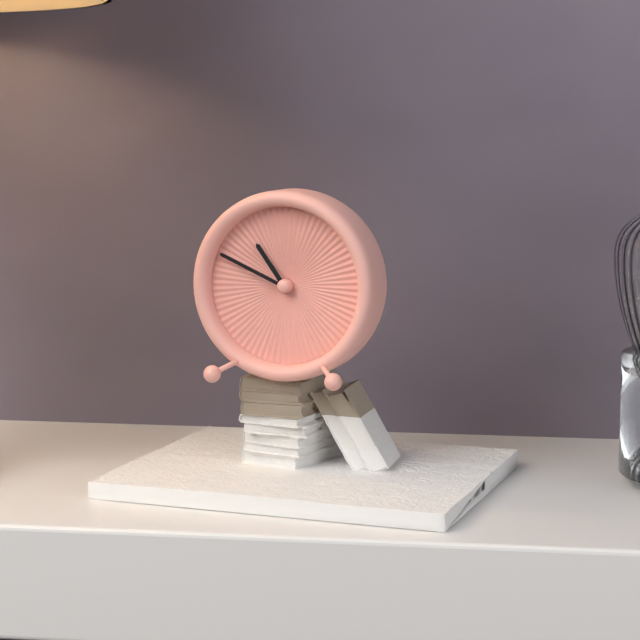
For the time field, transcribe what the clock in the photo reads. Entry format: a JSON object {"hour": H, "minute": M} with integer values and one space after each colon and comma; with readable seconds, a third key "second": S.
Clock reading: {"hour": 10, "minute": 49}
